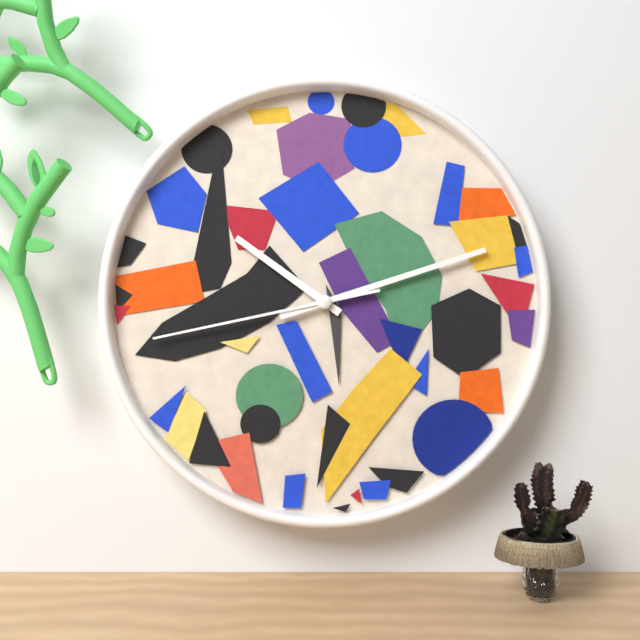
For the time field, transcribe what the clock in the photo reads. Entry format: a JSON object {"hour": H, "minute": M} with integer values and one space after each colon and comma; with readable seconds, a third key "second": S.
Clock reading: {"hour": 10, "minute": 12, "second": 43}
